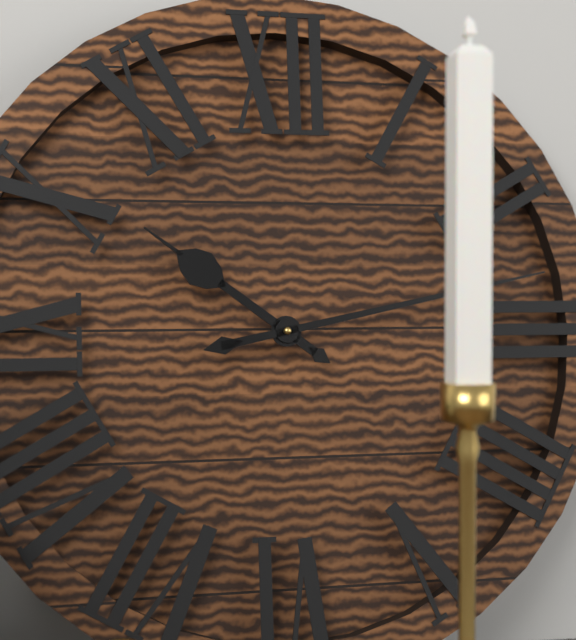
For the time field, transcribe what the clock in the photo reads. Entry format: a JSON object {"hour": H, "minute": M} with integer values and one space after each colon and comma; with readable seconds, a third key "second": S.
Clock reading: {"hour": 10, "minute": 13}
